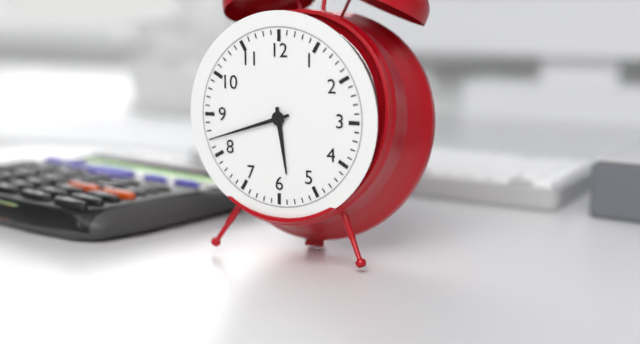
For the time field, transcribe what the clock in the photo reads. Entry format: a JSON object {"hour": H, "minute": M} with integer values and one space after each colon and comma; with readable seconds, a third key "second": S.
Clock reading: {"hour": 5, "minute": 42}
